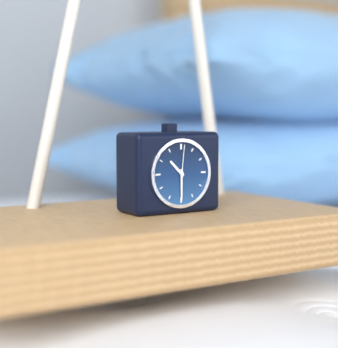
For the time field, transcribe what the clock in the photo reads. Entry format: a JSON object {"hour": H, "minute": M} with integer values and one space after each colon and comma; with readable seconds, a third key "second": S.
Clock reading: {"hour": 10, "minute": 30}
